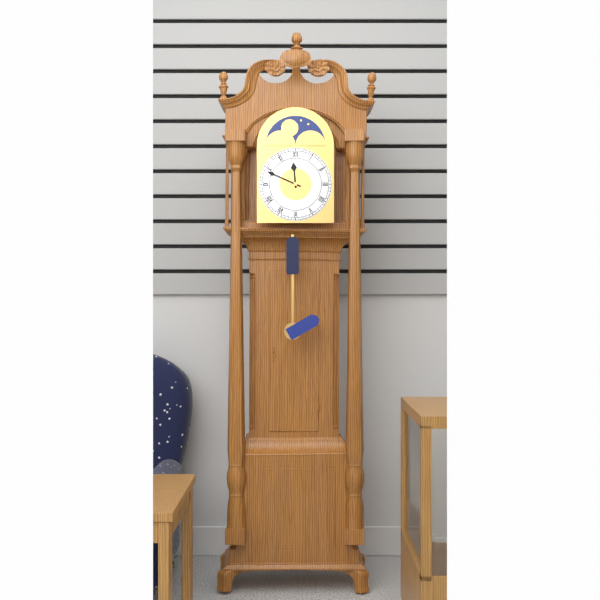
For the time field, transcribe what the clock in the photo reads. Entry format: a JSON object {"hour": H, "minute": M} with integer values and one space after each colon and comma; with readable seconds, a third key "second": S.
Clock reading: {"hour": 11, "minute": 49}
